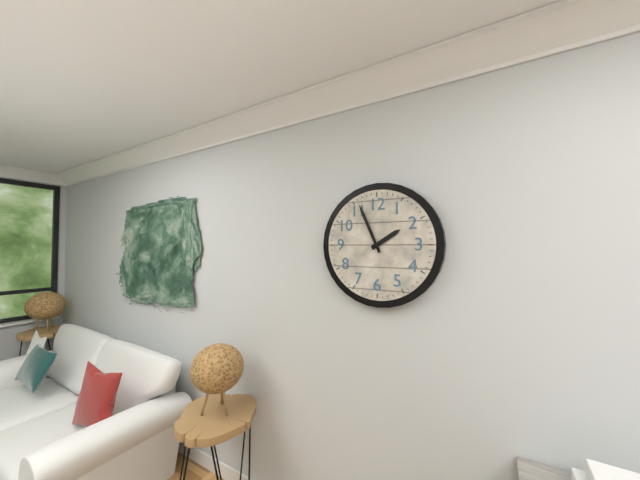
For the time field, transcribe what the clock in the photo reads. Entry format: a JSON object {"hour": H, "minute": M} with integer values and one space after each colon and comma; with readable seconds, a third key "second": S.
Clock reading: {"hour": 1, "minute": 56}
